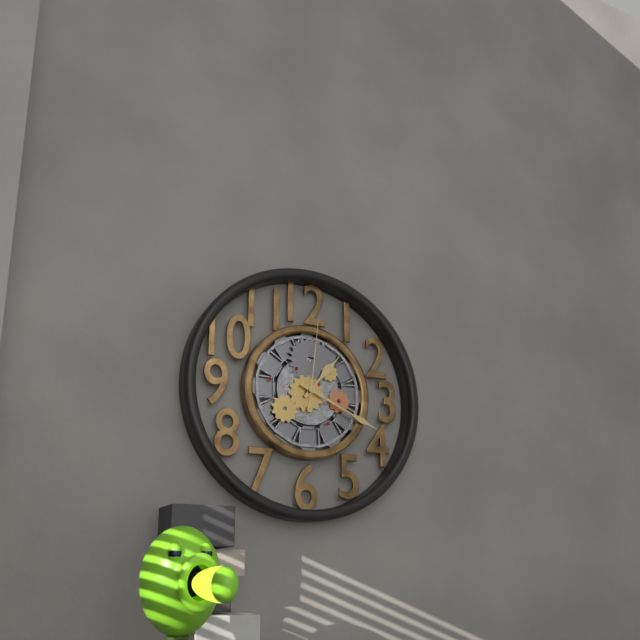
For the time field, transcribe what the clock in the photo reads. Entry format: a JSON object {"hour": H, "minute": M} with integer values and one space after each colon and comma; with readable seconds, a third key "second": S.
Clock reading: {"hour": 1, "minute": 19, "second": 1}
